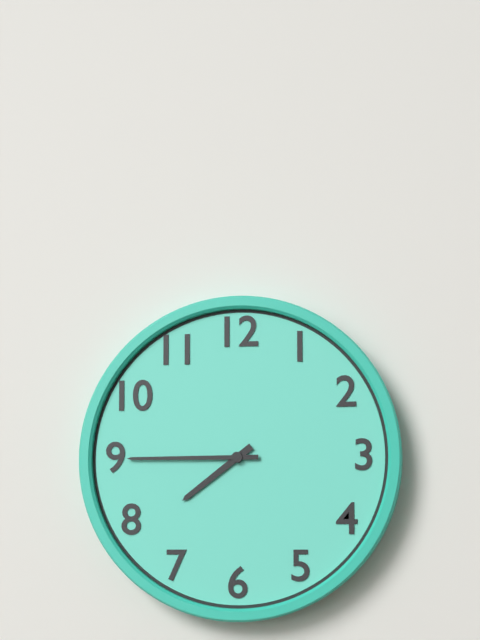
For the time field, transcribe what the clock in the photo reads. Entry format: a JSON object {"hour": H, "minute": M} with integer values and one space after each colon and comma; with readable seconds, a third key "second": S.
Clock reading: {"hour": 7, "minute": 45}
